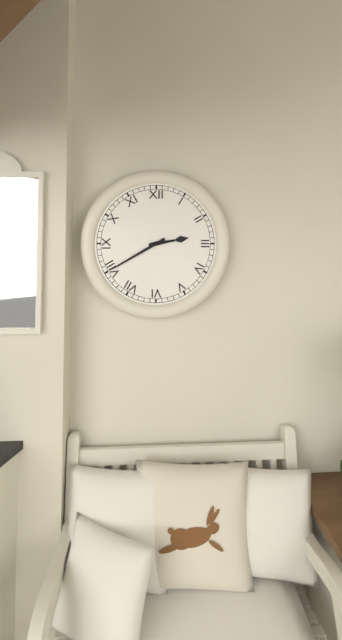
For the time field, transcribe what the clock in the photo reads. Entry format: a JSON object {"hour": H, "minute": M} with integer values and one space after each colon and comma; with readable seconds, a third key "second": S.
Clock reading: {"hour": 2, "minute": 40}
